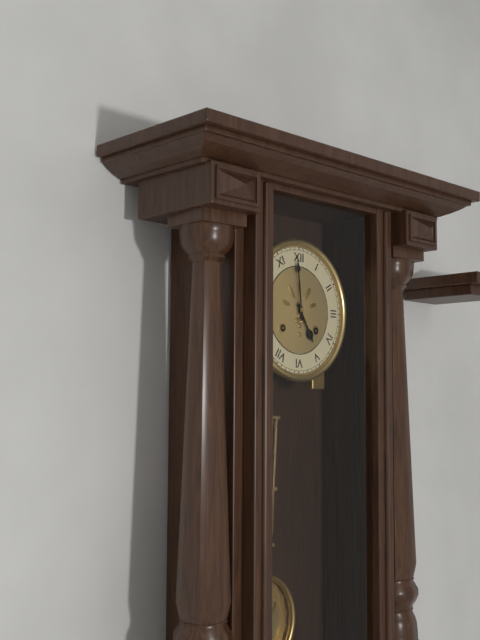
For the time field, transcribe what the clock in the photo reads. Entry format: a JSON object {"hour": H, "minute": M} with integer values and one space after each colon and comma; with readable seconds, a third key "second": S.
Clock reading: {"hour": 4, "minute": 59}
